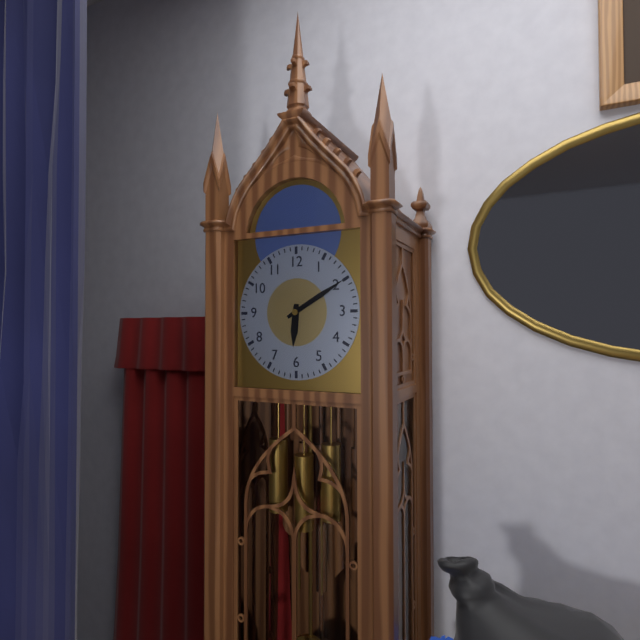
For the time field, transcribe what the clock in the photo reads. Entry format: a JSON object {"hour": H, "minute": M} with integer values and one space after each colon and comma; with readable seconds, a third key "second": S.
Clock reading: {"hour": 6, "minute": 10}
